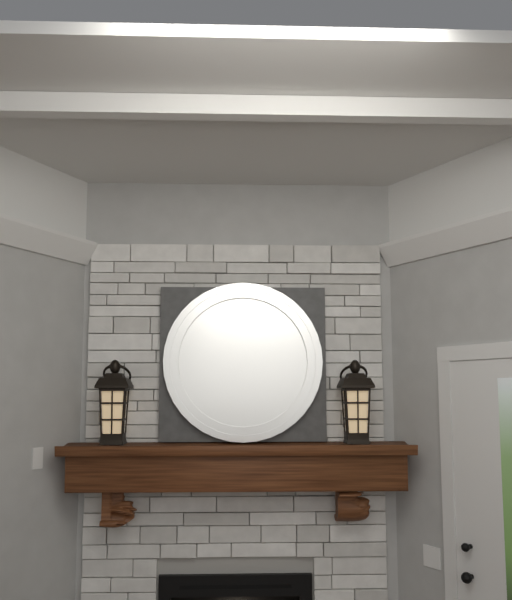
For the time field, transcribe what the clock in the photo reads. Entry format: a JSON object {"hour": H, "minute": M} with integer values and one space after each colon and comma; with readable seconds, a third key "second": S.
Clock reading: {"hour": 12, "minute": 30}
